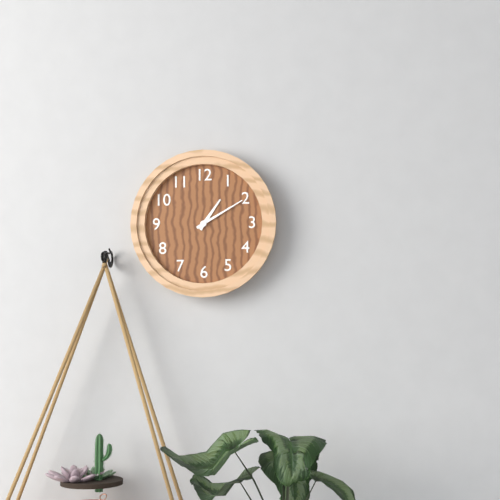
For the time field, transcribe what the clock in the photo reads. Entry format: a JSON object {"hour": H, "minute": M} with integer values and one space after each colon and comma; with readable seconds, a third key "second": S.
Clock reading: {"hour": 1, "minute": 10}
